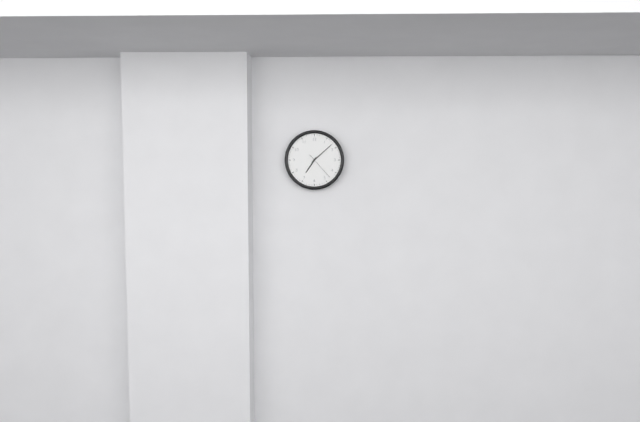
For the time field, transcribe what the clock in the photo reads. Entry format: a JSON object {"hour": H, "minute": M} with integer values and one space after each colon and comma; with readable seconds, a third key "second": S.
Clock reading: {"hour": 7, "minute": 8}
